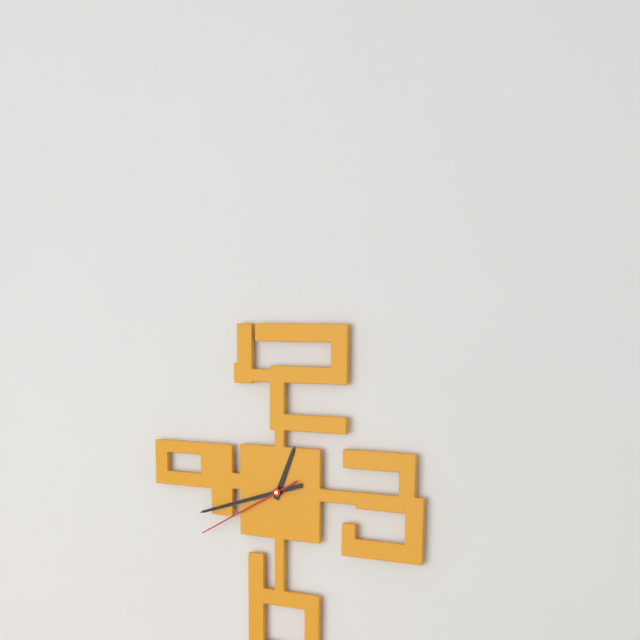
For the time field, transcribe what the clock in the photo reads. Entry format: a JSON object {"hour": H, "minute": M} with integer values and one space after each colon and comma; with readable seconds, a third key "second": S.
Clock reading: {"hour": 12, "minute": 42, "second": 40}
